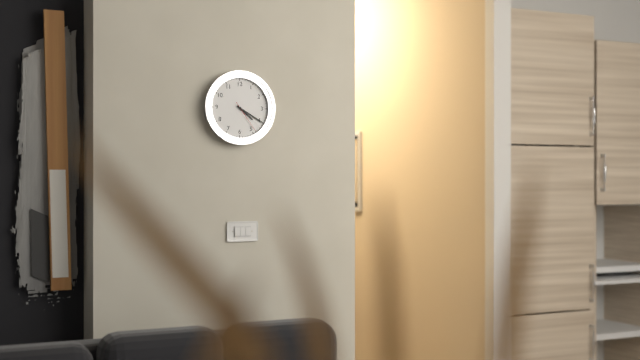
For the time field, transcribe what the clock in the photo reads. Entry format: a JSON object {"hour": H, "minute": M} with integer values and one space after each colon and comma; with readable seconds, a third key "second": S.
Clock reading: {"hour": 4, "minute": 20}
